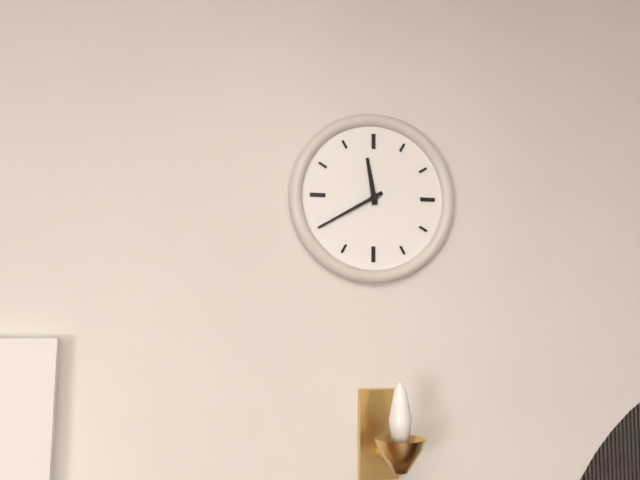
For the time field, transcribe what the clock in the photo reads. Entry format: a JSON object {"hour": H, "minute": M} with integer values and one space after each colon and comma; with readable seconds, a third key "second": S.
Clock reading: {"hour": 11, "minute": 40}
